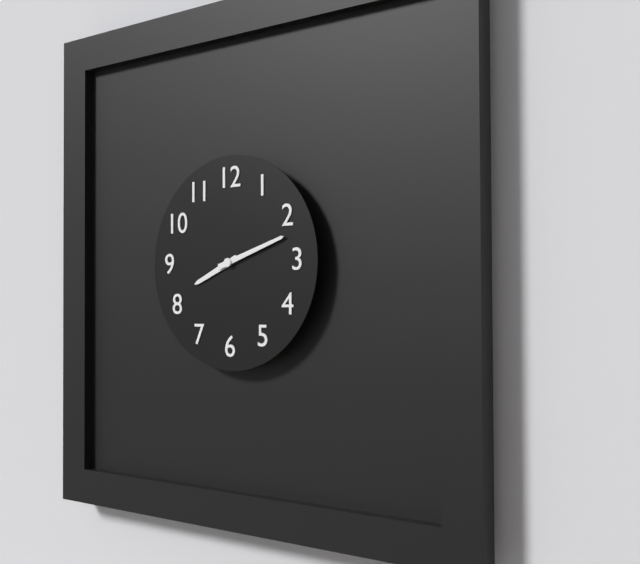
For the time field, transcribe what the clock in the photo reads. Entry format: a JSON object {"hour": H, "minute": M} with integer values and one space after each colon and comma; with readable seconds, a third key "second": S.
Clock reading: {"hour": 8, "minute": 12}
